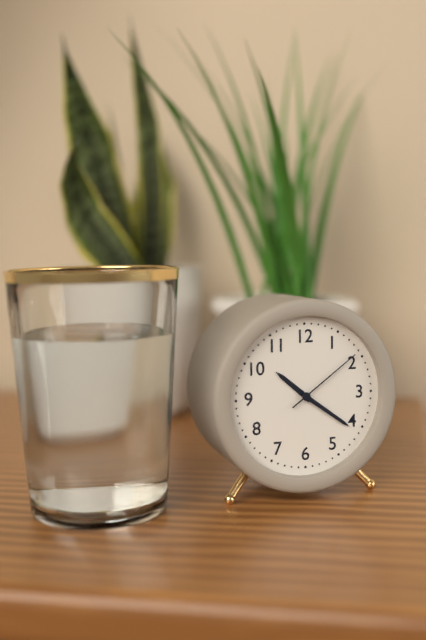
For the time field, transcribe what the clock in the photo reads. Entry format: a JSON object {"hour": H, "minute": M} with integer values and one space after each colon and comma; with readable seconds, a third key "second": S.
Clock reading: {"hour": 10, "minute": 21, "second": 9}
